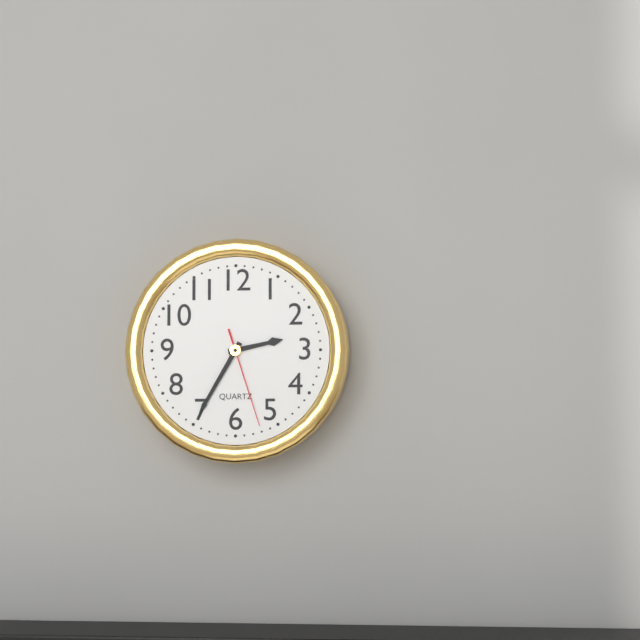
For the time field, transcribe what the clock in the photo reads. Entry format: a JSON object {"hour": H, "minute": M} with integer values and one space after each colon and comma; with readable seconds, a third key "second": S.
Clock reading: {"hour": 2, "minute": 35, "second": 27}
